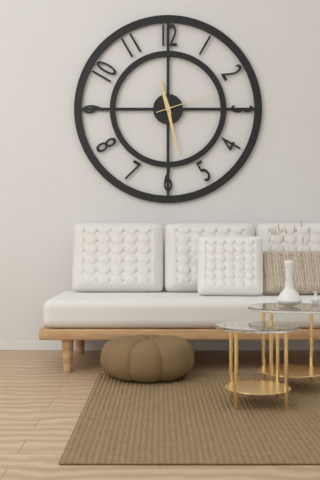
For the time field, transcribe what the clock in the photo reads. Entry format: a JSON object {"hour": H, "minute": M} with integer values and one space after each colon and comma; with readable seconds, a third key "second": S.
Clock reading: {"hour": 11, "minute": 28, "second": 12}
